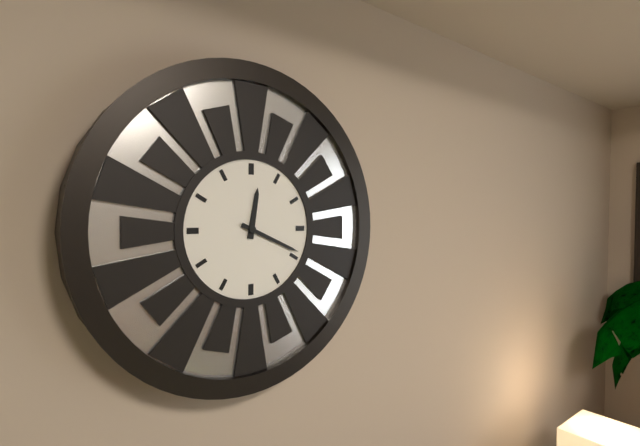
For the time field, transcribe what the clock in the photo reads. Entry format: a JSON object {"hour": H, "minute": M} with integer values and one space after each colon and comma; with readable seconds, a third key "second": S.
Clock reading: {"hour": 12, "minute": 19}
